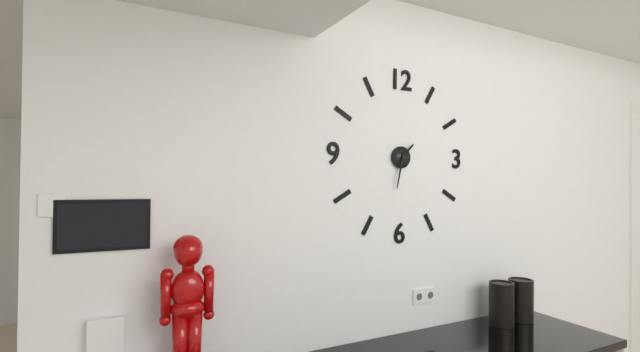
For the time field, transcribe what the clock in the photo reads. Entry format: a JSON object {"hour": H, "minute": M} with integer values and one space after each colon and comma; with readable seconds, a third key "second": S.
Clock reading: {"hour": 1, "minute": 32}
